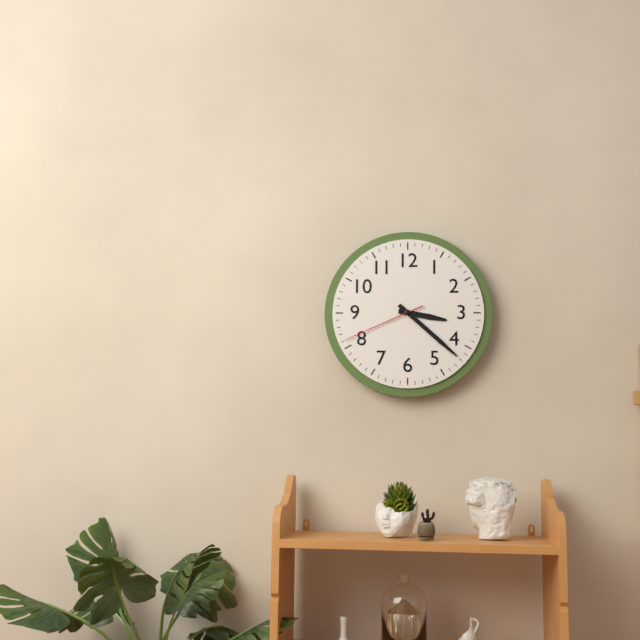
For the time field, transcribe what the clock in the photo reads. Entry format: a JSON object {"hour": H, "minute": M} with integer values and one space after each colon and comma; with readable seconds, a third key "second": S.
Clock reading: {"hour": 3, "minute": 22, "second": 41}
